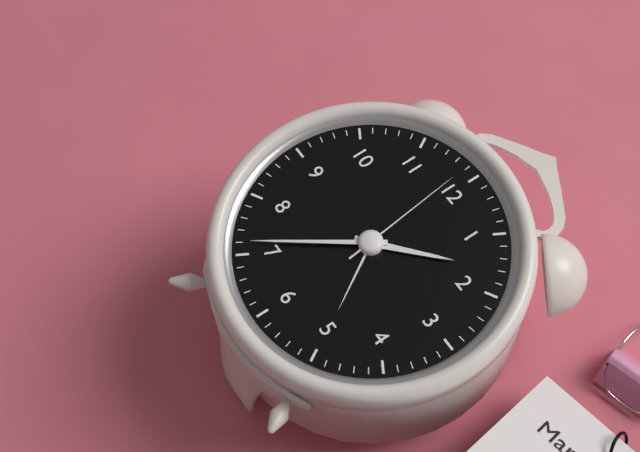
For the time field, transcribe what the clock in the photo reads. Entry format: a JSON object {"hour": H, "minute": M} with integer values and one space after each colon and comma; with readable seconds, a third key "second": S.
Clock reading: {"hour": 1, "minute": 36, "second": 59}
